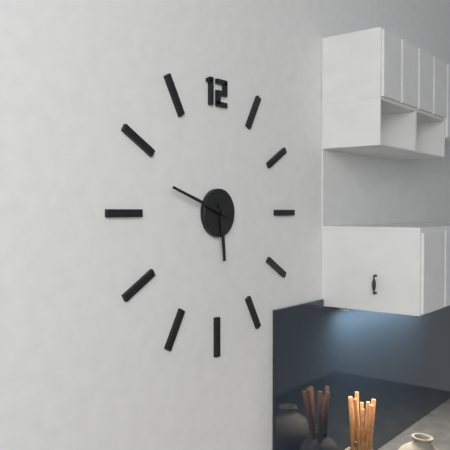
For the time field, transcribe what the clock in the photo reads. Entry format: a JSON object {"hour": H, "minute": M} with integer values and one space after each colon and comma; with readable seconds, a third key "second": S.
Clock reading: {"hour": 5, "minute": 48}
